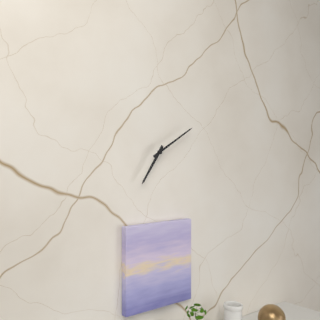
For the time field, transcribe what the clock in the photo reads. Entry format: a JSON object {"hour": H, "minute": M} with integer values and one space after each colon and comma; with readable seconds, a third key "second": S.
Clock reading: {"hour": 7, "minute": 10}
